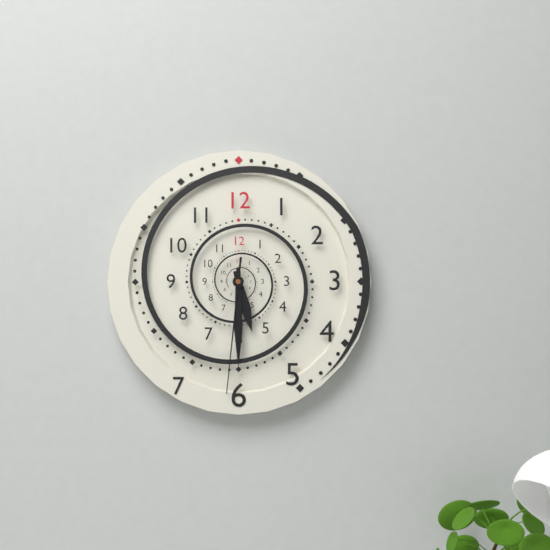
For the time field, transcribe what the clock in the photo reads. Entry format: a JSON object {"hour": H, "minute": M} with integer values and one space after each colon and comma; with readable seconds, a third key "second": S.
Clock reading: {"hour": 5, "minute": 30, "second": 31}
